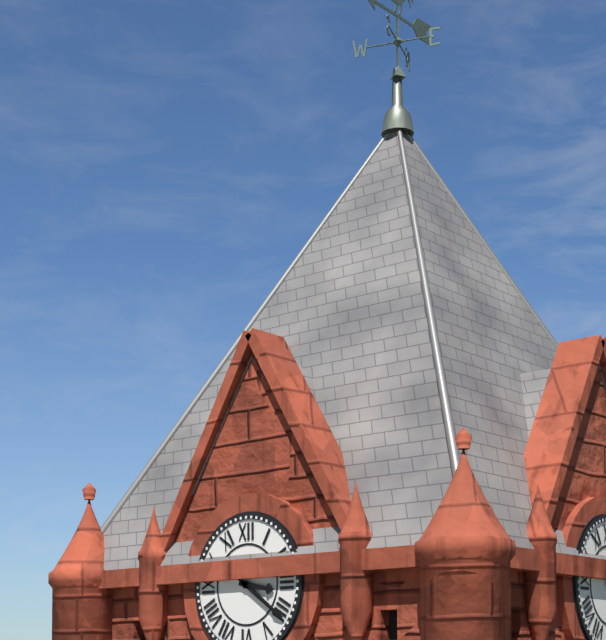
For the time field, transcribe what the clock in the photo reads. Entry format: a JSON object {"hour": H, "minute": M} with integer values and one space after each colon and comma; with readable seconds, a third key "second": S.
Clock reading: {"hour": 3, "minute": 21}
